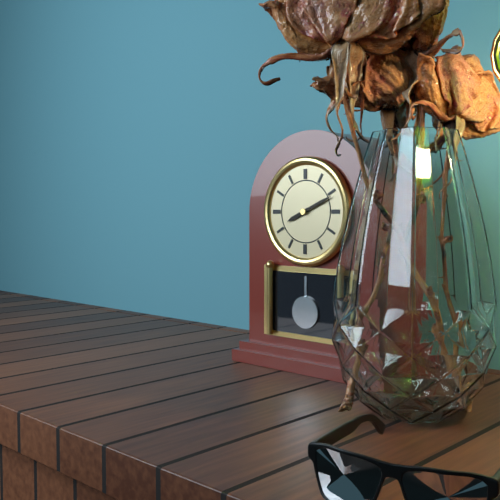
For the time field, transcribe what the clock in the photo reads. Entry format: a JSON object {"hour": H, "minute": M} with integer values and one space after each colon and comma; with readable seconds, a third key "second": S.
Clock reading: {"hour": 8, "minute": 11}
